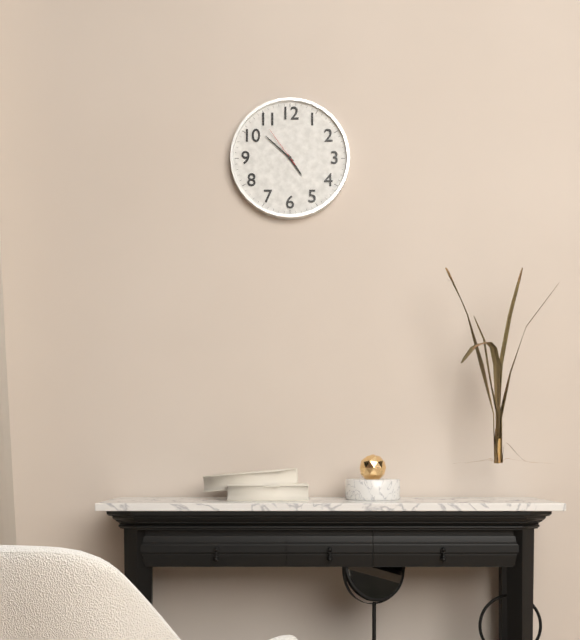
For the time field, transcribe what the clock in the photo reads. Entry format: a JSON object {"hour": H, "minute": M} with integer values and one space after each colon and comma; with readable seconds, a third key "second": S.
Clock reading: {"hour": 4, "minute": 52}
